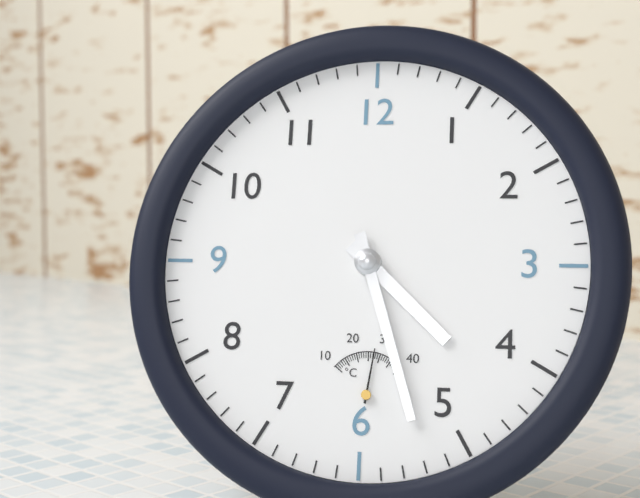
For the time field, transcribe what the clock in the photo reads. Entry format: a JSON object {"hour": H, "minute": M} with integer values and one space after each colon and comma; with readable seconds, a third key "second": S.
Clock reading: {"hour": 4, "minute": 27}
